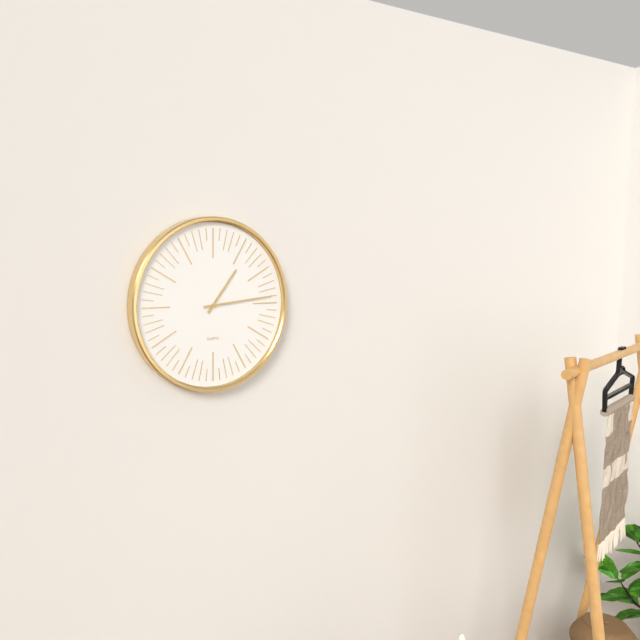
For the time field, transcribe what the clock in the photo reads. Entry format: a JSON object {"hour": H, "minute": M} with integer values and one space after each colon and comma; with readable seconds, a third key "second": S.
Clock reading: {"hour": 1, "minute": 14}
